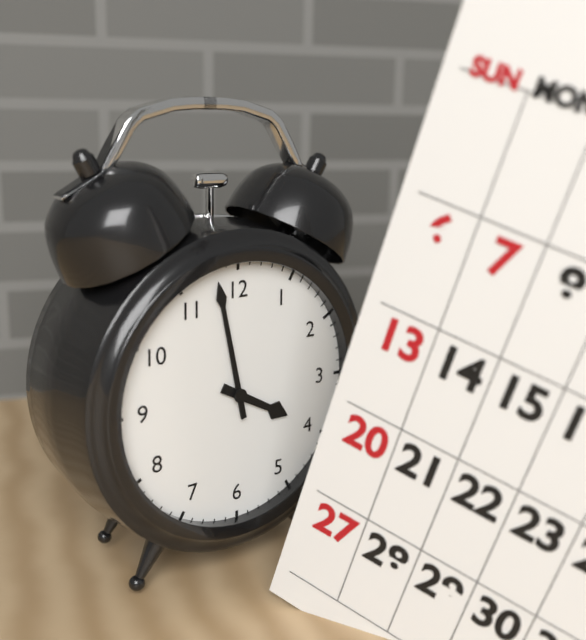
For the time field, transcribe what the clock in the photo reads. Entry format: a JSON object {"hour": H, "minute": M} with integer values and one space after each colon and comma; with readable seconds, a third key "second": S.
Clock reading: {"hour": 3, "minute": 58}
